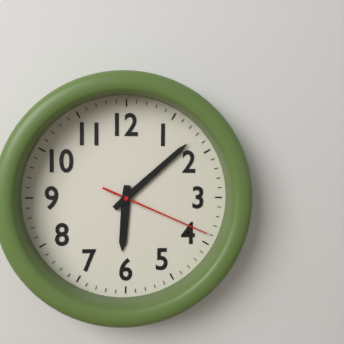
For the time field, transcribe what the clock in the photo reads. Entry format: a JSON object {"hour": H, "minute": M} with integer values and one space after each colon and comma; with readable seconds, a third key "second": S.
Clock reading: {"hour": 6, "minute": 8, "second": 19}
